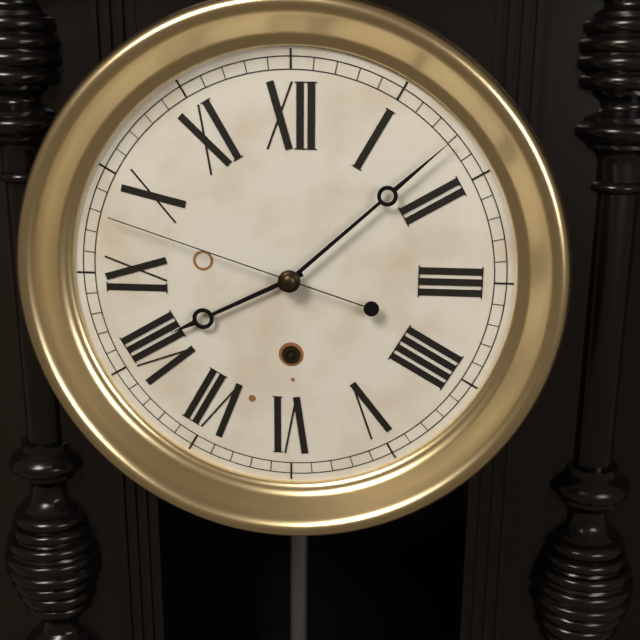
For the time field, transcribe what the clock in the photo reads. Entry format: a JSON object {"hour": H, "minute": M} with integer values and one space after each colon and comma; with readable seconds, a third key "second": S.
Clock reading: {"hour": 8, "minute": 8, "second": 48}
